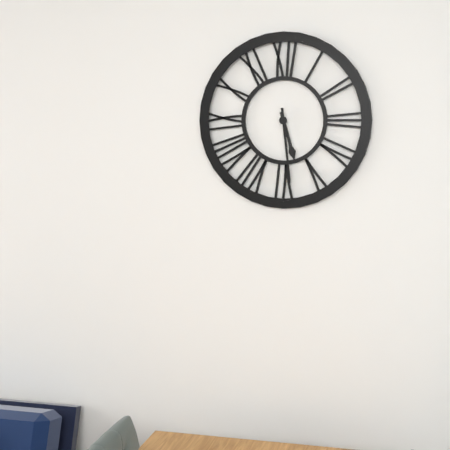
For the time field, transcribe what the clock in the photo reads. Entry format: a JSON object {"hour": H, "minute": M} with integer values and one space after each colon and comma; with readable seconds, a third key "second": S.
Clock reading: {"hour": 5, "minute": 29}
